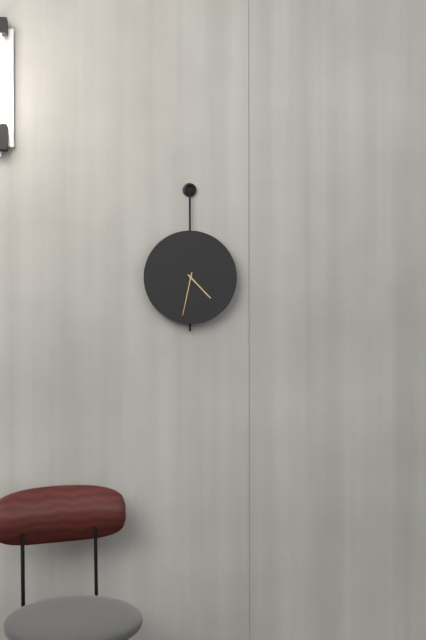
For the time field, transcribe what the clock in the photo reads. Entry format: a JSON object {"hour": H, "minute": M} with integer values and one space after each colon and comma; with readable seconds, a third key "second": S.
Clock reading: {"hour": 4, "minute": 32}
